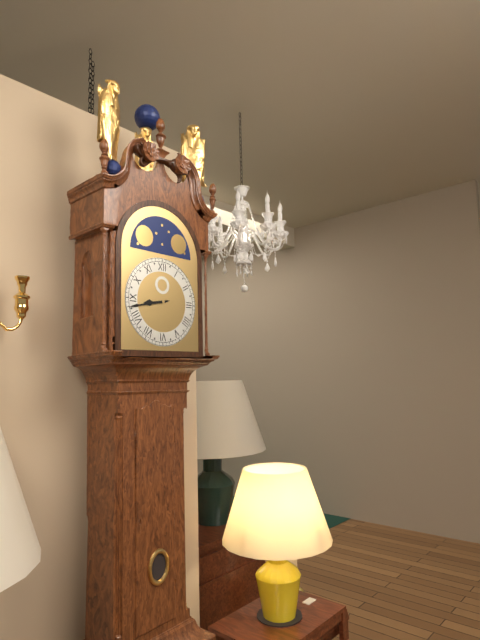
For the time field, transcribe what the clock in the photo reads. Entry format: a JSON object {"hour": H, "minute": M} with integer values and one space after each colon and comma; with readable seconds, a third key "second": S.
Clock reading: {"hour": 8, "minute": 43}
